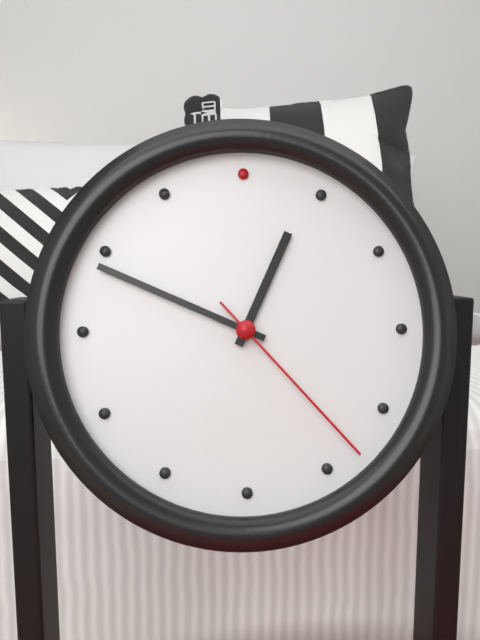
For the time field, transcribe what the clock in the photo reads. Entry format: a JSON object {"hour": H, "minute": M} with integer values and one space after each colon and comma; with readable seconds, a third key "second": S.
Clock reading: {"hour": 12, "minute": 49, "second": 23}
